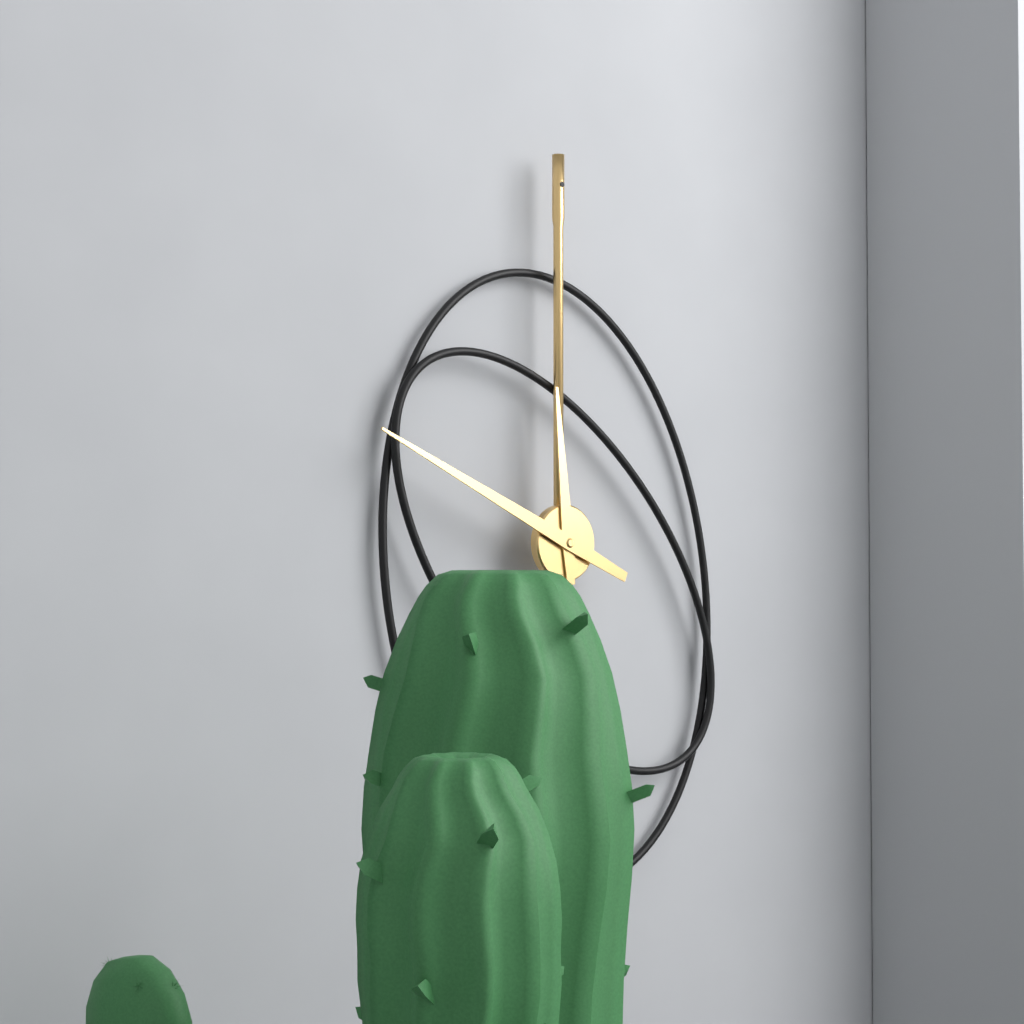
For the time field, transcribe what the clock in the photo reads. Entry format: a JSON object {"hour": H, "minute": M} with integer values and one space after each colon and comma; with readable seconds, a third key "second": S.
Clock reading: {"hour": 11, "minute": 49}
